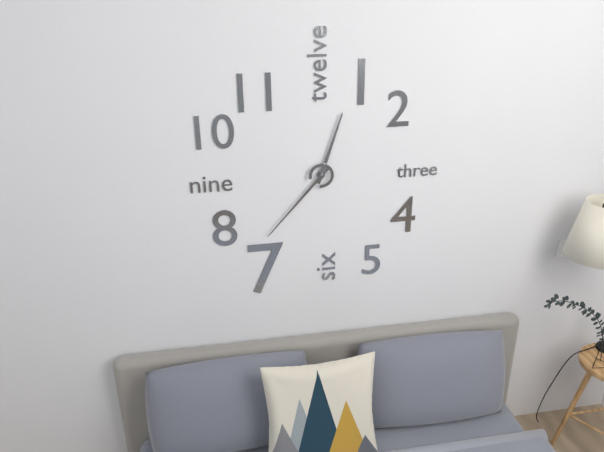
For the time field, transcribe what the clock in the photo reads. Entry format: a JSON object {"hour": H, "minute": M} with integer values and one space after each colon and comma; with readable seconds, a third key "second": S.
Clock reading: {"hour": 12, "minute": 37}
